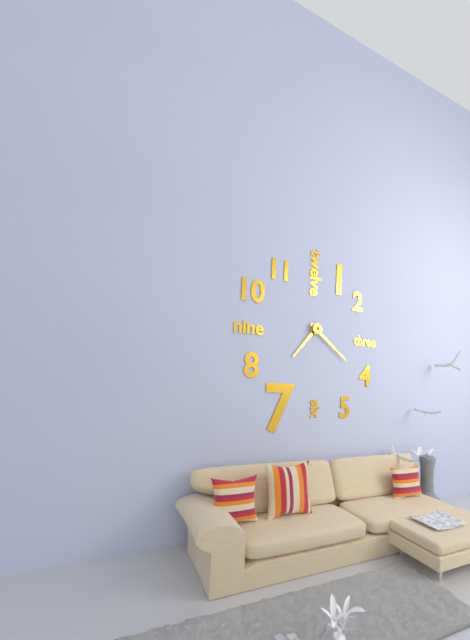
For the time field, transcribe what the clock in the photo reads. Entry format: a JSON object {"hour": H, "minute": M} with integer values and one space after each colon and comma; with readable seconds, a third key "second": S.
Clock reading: {"hour": 7, "minute": 21}
